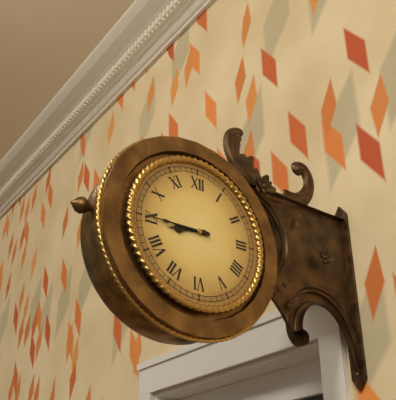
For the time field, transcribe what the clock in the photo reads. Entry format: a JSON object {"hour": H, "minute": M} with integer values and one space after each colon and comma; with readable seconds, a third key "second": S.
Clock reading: {"hour": 8, "minute": 45}
